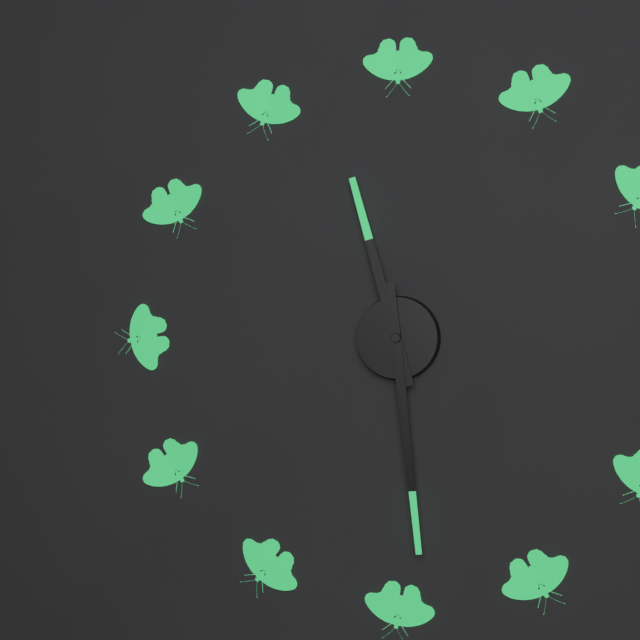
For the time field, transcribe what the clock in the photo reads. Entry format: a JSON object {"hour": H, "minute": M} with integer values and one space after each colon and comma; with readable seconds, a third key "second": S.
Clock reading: {"hour": 11, "minute": 29}
